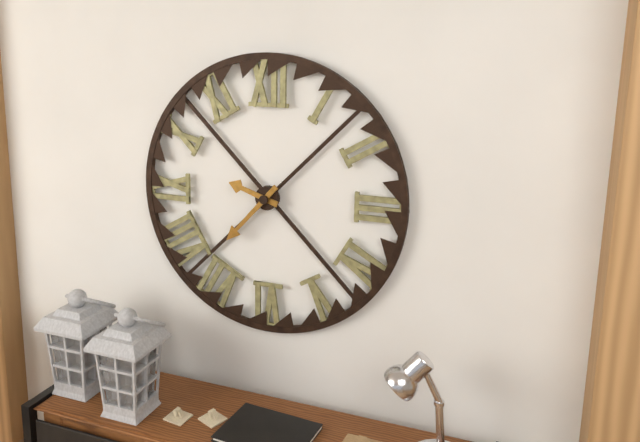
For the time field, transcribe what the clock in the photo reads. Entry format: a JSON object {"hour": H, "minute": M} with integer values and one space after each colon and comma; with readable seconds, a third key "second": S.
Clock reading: {"hour": 9, "minute": 37}
